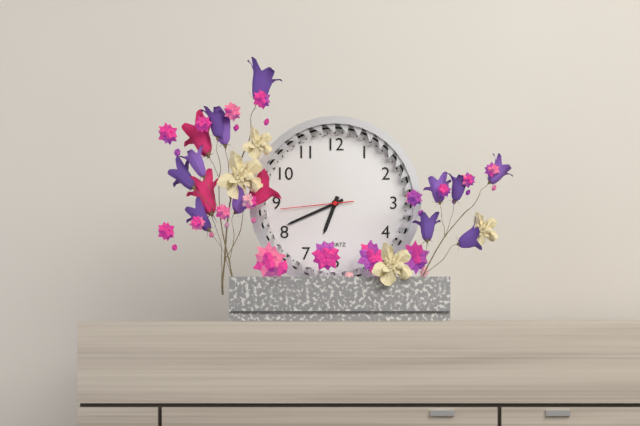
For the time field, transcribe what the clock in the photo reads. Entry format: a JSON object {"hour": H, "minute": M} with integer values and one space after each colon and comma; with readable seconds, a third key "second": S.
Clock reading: {"hour": 6, "minute": 41, "second": 44}
